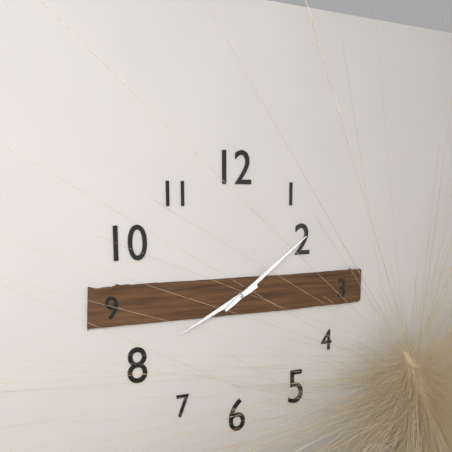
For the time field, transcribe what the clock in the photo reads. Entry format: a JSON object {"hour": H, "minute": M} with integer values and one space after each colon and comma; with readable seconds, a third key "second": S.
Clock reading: {"hour": 8, "minute": 9}
